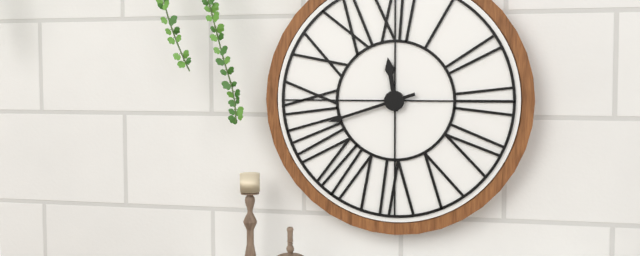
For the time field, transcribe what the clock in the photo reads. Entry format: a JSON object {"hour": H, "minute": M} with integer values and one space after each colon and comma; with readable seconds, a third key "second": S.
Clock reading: {"hour": 11, "minute": 42}
